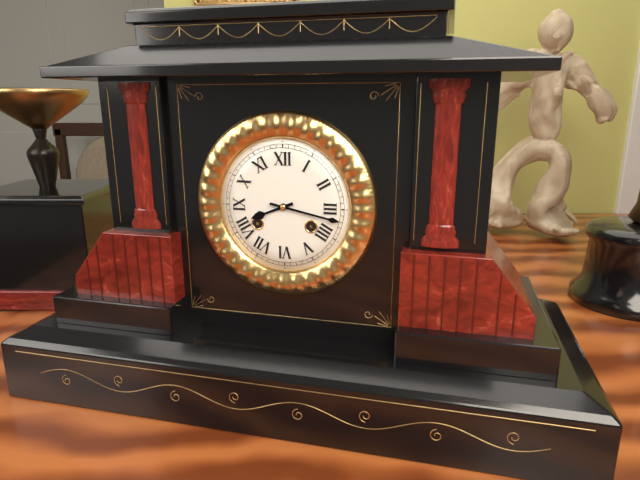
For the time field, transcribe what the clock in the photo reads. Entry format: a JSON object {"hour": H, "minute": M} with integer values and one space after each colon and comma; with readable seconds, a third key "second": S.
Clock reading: {"hour": 8, "minute": 17}
